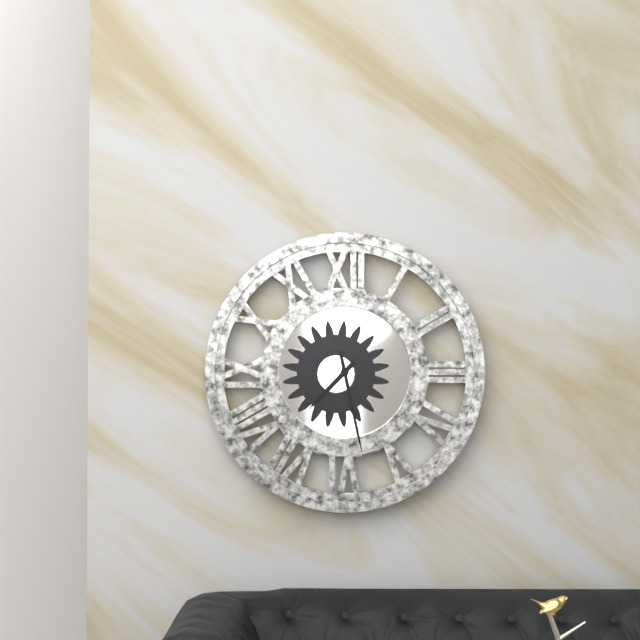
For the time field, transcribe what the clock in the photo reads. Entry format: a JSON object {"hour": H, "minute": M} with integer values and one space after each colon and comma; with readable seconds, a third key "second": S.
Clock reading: {"hour": 7, "minute": 28}
